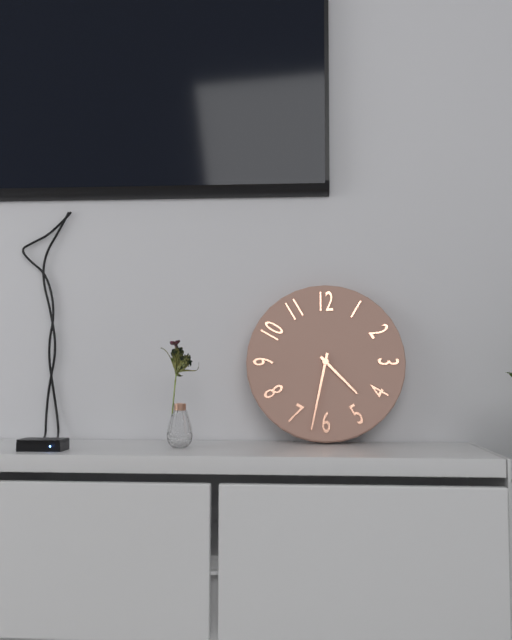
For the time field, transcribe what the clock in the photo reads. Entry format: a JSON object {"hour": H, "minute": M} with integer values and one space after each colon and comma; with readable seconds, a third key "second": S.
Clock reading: {"hour": 4, "minute": 32}
